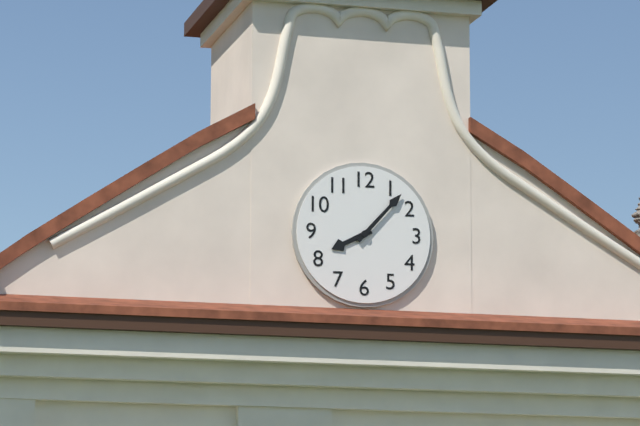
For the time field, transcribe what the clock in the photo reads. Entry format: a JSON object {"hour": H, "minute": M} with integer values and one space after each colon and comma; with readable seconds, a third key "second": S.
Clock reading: {"hour": 8, "minute": 7}
